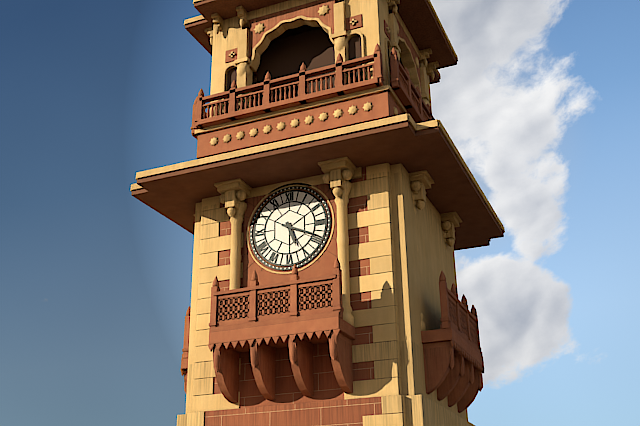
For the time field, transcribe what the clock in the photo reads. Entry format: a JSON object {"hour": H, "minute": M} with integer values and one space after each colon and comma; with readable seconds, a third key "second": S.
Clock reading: {"hour": 5, "minute": 19}
